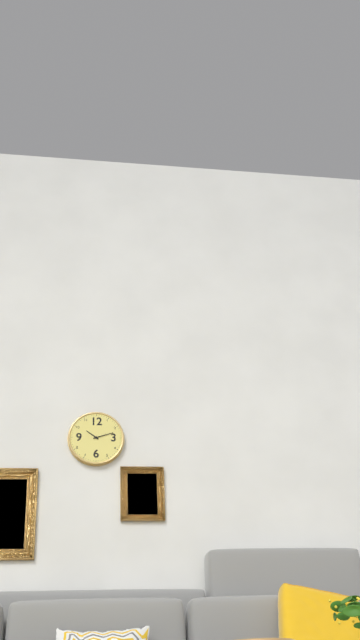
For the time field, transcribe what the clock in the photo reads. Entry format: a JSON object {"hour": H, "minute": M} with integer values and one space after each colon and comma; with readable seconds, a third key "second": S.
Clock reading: {"hour": 10, "minute": 12}
